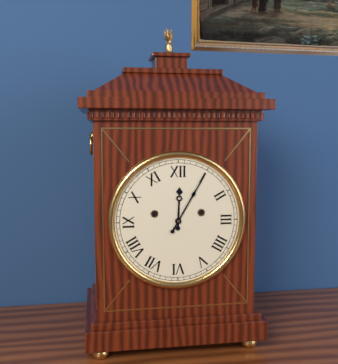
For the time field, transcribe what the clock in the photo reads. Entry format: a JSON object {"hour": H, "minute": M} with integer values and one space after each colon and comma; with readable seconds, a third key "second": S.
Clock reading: {"hour": 12, "minute": 5}
